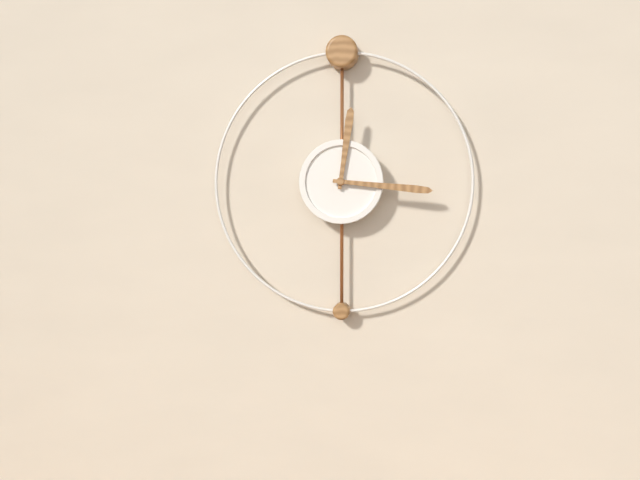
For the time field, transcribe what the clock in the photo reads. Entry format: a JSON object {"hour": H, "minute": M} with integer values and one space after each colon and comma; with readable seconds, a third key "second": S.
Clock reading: {"hour": 12, "minute": 16}
